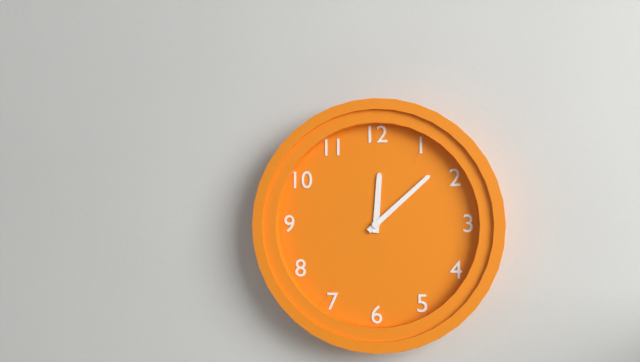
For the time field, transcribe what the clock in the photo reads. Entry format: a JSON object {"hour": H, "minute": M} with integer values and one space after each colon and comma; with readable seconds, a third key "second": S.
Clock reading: {"hour": 12, "minute": 8}
